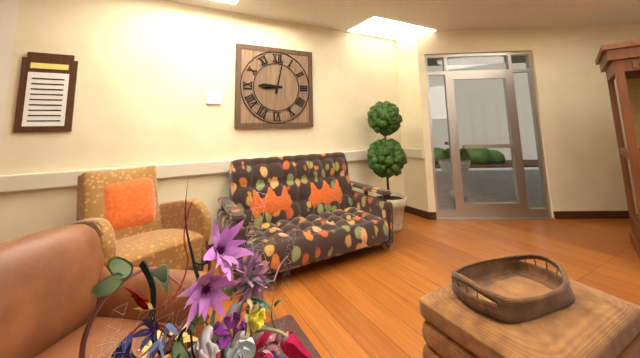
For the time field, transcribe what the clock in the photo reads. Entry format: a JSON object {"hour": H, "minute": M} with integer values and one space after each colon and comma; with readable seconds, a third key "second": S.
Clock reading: {"hour": 9, "minute": 2}
